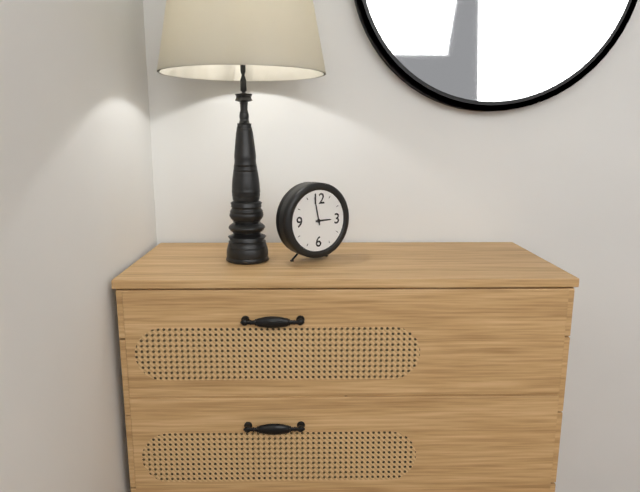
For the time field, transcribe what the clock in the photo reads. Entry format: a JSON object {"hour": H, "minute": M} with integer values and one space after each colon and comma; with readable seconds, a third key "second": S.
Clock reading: {"hour": 2, "minute": 58}
